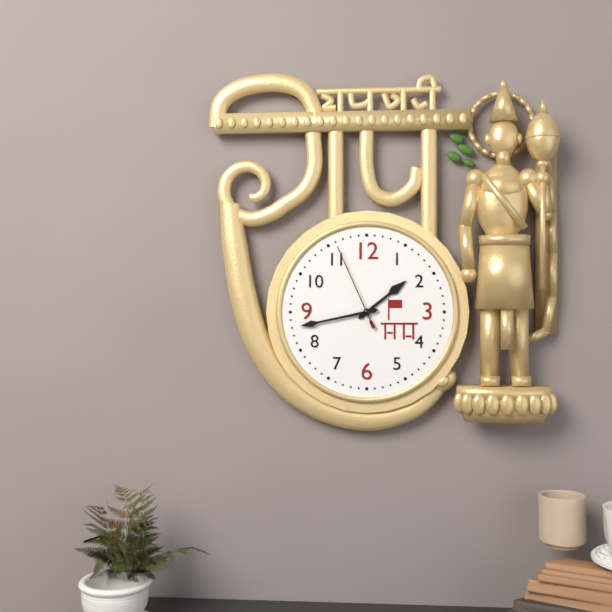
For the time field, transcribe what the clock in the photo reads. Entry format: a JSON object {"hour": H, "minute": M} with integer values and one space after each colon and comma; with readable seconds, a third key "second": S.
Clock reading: {"hour": 1, "minute": 43, "second": 56}
